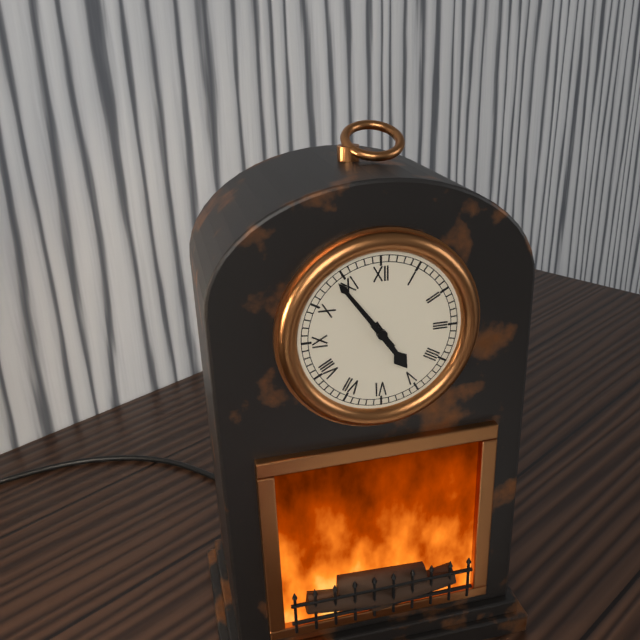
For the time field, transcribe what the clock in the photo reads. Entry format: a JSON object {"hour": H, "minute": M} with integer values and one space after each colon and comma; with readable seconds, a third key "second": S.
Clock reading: {"hour": 4, "minute": 54}
